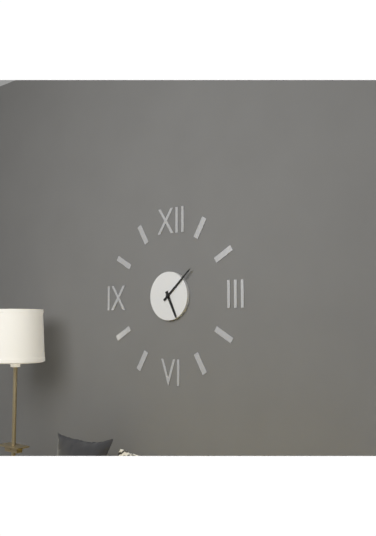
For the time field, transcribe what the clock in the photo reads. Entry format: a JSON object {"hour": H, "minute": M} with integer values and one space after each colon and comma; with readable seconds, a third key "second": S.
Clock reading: {"hour": 5, "minute": 8}
